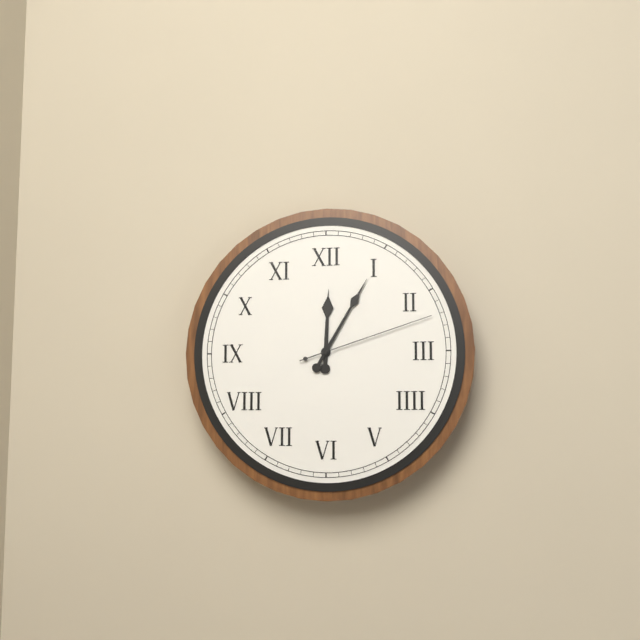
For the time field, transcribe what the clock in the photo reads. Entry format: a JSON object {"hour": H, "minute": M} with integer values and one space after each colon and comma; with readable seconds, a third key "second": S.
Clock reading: {"hour": 12, "minute": 5, "second": 12}
